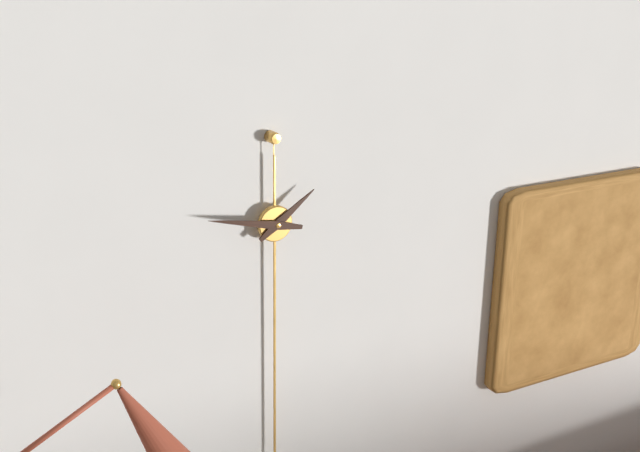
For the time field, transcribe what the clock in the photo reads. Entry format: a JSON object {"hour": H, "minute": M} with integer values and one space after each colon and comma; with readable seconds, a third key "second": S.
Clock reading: {"hour": 1, "minute": 47}
